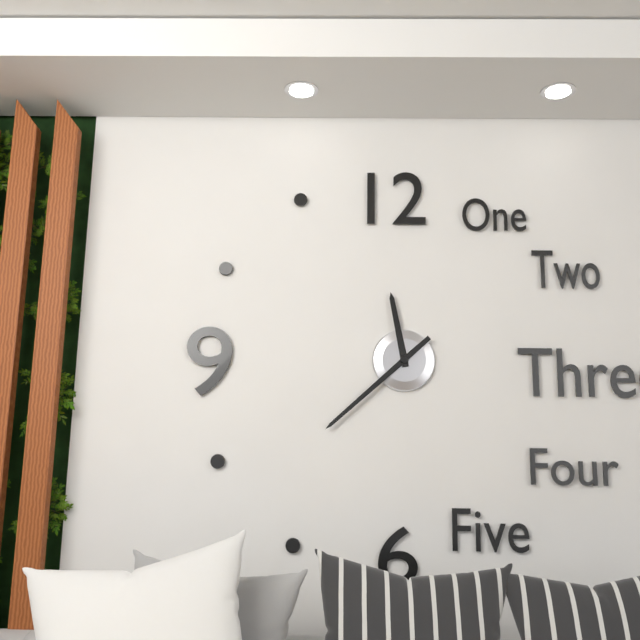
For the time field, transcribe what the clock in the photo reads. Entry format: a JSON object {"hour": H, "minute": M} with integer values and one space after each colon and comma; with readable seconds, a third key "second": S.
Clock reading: {"hour": 11, "minute": 38}
